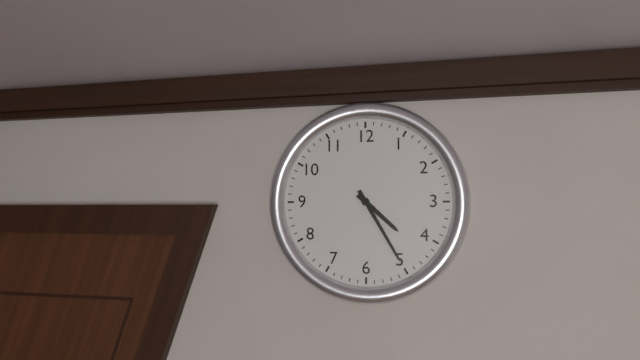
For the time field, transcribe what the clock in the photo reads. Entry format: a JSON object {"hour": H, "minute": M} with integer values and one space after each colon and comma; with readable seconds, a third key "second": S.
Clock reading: {"hour": 4, "minute": 25}
